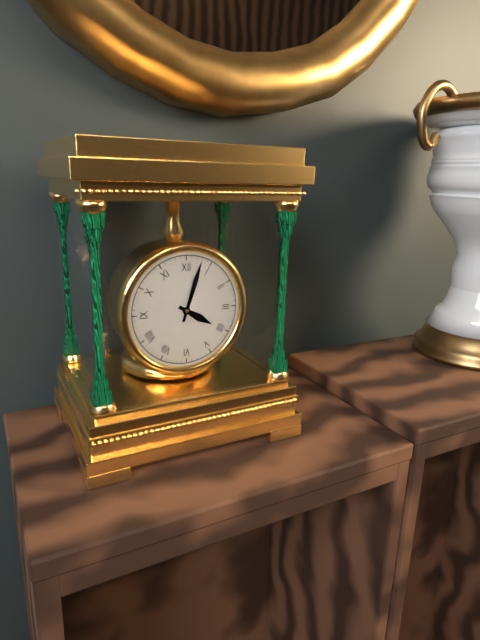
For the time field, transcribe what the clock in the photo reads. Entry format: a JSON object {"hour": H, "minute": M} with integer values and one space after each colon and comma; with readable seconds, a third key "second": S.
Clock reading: {"hour": 4, "minute": 3}
